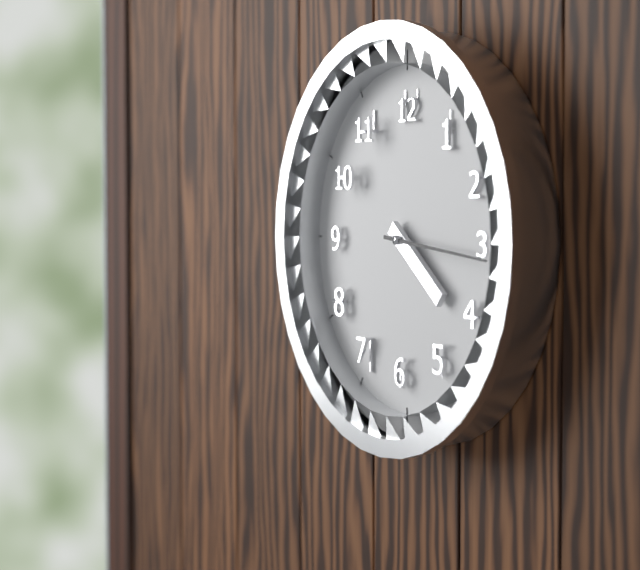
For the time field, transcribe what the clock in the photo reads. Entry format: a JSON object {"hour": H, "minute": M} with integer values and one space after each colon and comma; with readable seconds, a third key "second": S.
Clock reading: {"hour": 4, "minute": 16}
